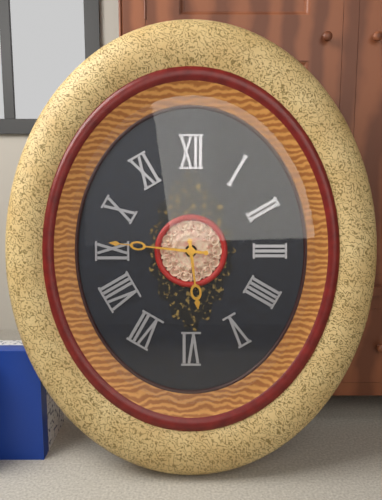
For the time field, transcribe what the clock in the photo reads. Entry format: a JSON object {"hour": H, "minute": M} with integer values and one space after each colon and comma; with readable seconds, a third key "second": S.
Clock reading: {"hour": 5, "minute": 46}
